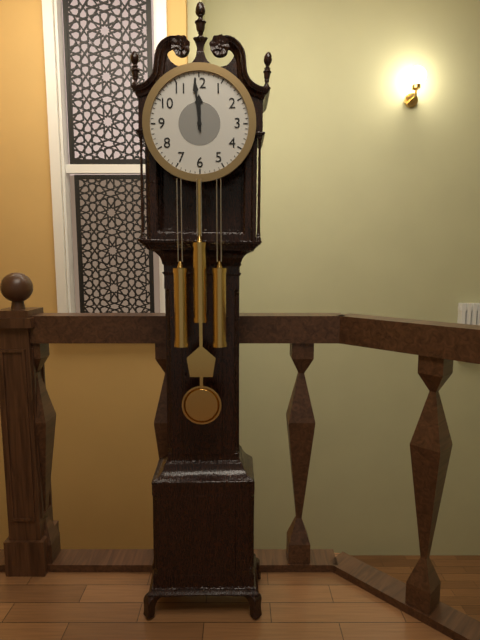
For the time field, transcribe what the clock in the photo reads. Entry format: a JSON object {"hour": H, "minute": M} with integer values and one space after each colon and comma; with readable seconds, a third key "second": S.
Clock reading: {"hour": 11, "minute": 59}
